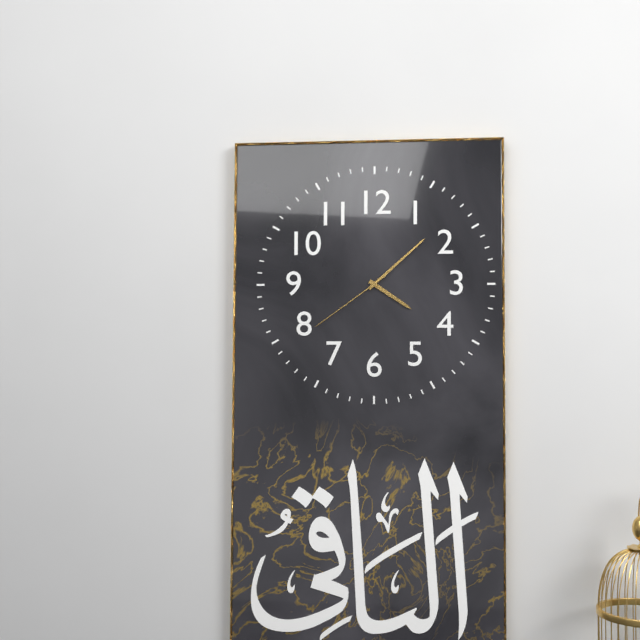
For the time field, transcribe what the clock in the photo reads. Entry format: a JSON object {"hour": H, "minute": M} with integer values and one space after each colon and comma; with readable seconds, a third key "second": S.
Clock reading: {"hour": 4, "minute": 8, "second": 39}
